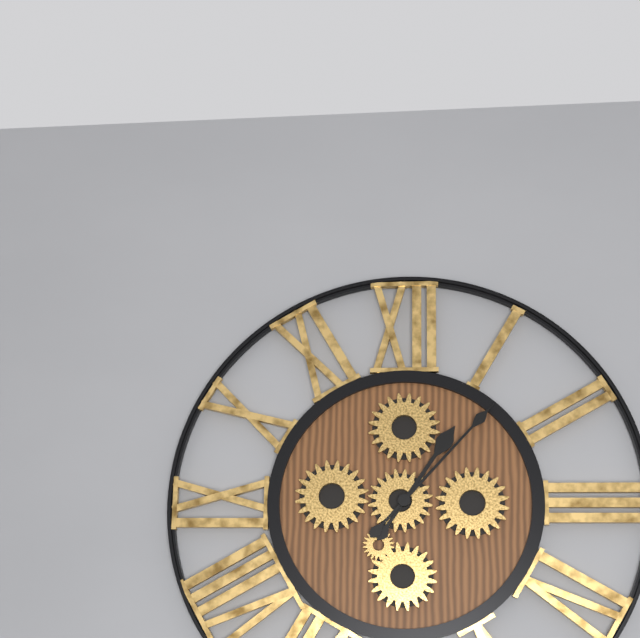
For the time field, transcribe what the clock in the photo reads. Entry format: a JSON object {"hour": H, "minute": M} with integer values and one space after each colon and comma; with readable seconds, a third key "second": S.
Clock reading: {"hour": 1, "minute": 7}
